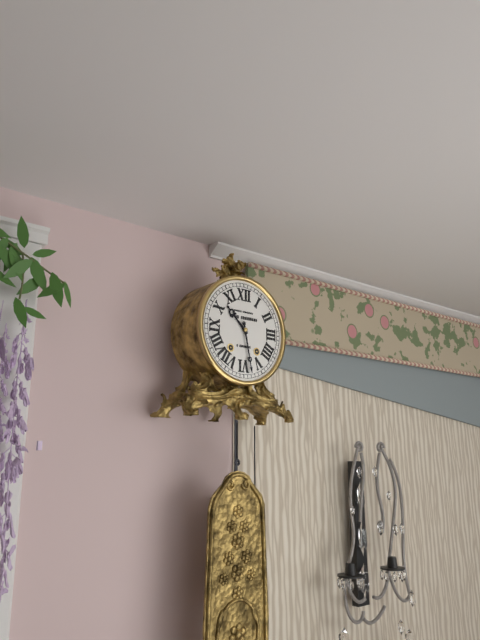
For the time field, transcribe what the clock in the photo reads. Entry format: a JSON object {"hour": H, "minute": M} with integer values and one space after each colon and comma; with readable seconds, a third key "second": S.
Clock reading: {"hour": 10, "minute": 28}
